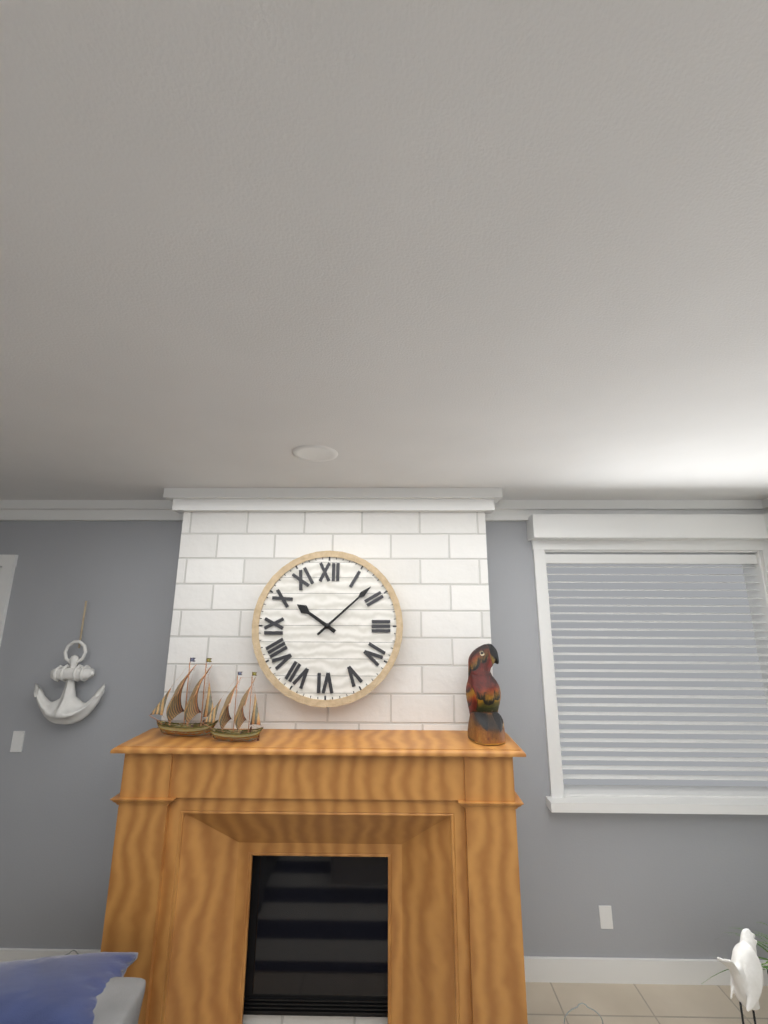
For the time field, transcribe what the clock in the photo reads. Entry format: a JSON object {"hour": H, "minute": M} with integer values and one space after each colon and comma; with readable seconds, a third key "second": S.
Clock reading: {"hour": 10, "minute": 8}
